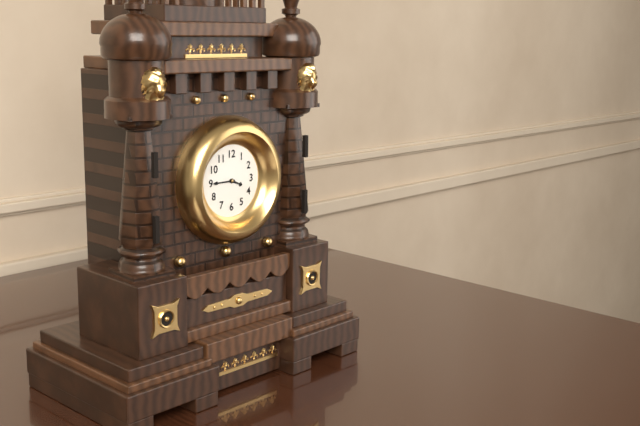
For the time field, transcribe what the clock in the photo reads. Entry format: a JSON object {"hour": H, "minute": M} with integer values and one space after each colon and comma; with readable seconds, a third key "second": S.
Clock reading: {"hour": 3, "minute": 45}
